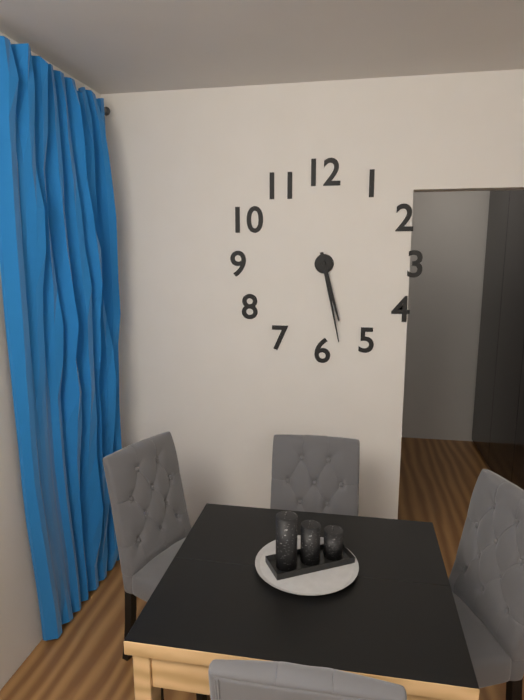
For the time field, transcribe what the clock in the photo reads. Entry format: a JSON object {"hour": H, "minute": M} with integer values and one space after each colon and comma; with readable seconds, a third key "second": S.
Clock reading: {"hour": 5, "minute": 28}
